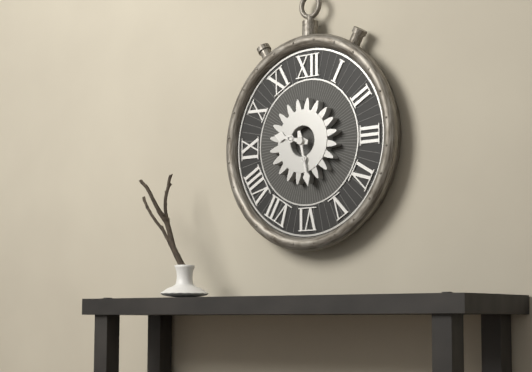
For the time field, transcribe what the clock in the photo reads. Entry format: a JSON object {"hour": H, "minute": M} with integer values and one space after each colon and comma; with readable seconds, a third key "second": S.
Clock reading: {"hour": 9, "minute": 28}
